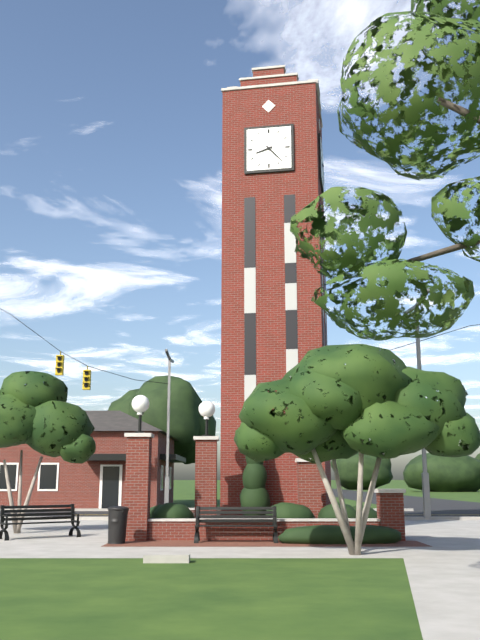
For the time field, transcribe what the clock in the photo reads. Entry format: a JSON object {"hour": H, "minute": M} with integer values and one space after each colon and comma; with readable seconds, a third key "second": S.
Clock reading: {"hour": 8, "minute": 23}
